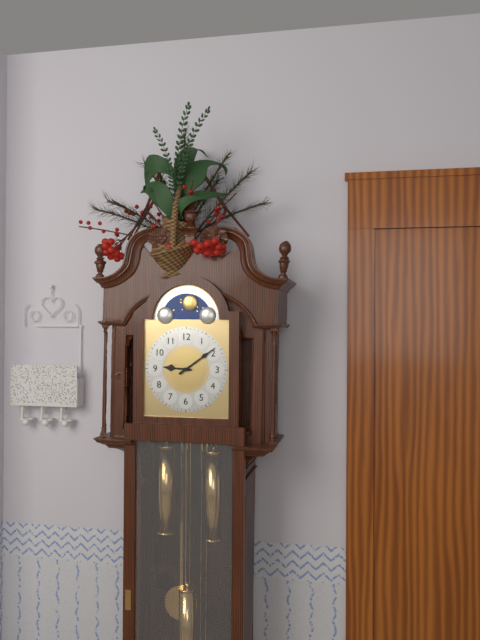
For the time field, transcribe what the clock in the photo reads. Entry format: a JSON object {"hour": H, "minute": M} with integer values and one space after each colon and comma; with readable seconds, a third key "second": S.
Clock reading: {"hour": 9, "minute": 9}
